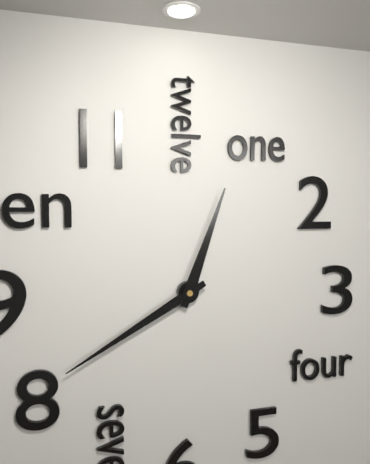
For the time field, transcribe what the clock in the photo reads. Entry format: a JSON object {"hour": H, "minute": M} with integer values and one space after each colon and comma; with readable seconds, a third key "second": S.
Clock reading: {"hour": 12, "minute": 40}
